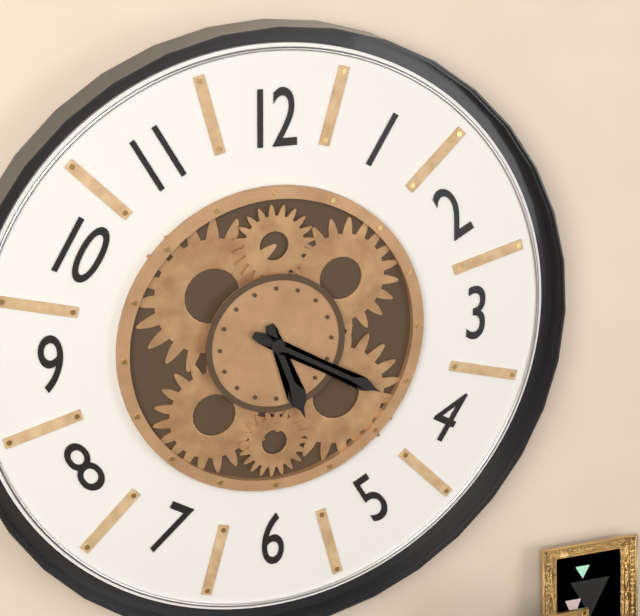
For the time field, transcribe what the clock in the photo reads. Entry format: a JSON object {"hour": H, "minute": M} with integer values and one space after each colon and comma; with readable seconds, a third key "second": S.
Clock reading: {"hour": 5, "minute": 20}
